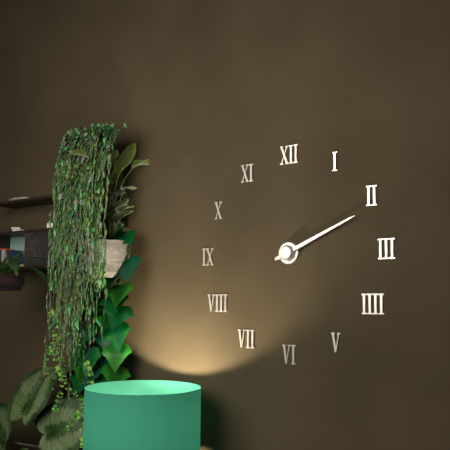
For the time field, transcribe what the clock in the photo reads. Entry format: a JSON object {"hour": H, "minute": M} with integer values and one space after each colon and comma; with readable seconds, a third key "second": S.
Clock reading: {"hour": 2, "minute": 11}
